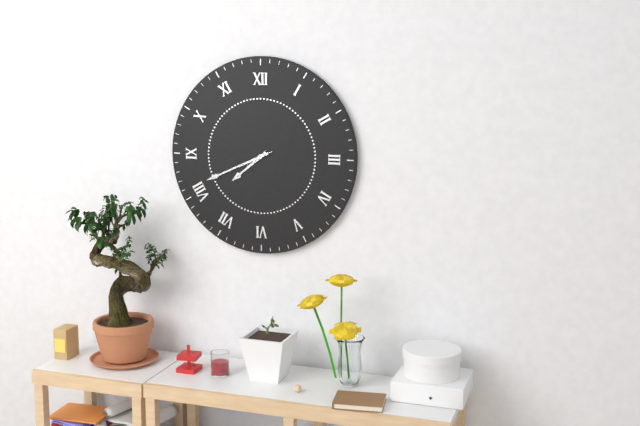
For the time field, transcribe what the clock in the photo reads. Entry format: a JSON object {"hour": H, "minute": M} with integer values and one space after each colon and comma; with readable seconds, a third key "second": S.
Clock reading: {"hour": 7, "minute": 41, "second": 41}
